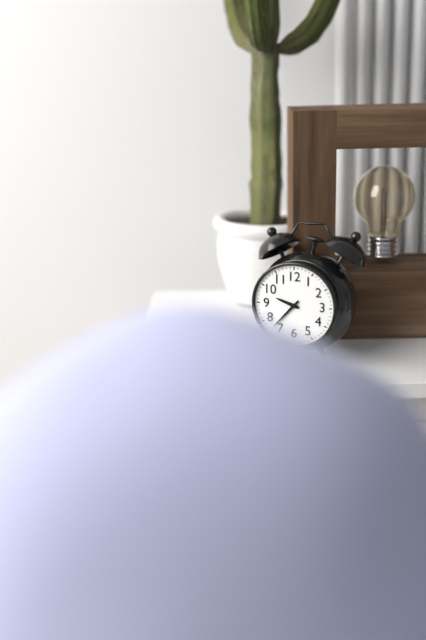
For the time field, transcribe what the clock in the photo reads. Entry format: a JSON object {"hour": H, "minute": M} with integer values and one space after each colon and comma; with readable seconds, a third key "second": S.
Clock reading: {"hour": 9, "minute": 37}
